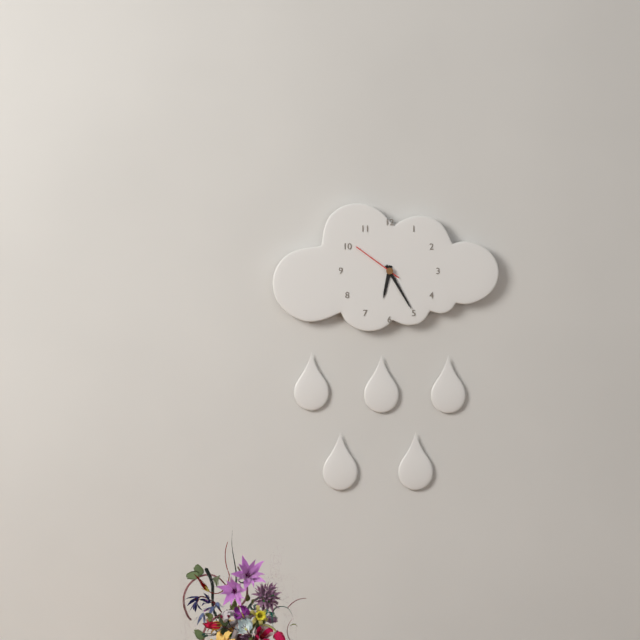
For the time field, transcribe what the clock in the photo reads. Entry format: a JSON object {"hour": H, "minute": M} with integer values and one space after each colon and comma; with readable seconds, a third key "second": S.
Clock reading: {"hour": 6, "minute": 25, "second": 51}
